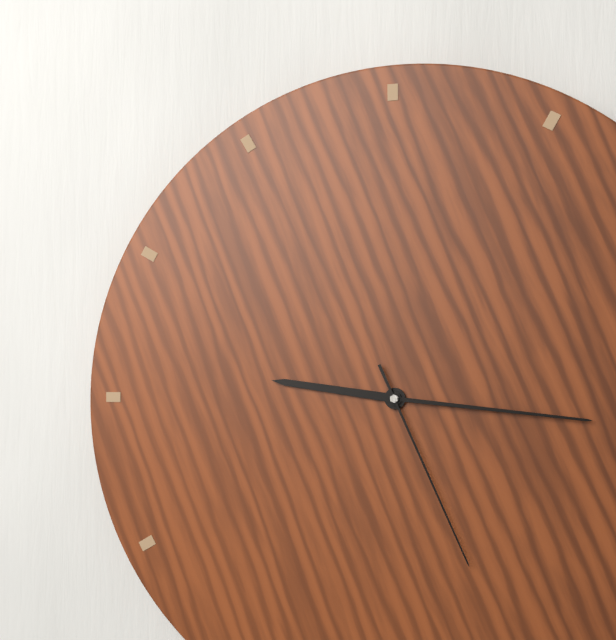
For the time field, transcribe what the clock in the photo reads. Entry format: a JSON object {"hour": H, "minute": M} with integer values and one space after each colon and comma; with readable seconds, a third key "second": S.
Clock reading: {"hour": 9, "minute": 16, "second": 26}
